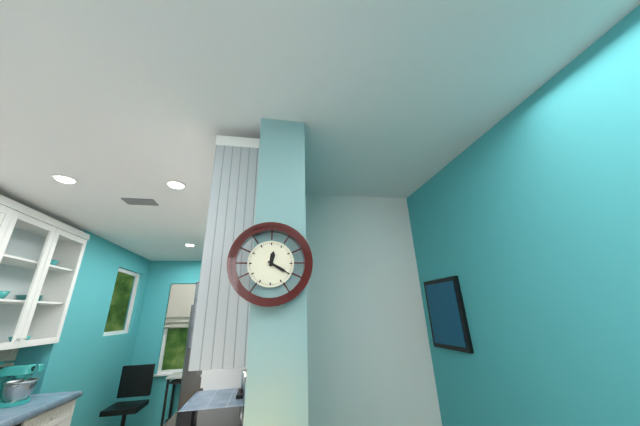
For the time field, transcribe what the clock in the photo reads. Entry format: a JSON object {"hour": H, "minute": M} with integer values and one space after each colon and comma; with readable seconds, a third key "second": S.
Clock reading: {"hour": 12, "minute": 20}
